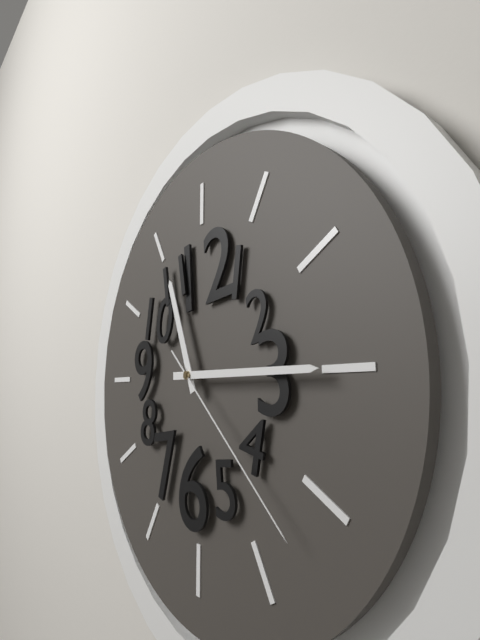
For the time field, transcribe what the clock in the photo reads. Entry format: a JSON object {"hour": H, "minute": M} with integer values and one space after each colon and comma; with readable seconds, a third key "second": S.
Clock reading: {"hour": 11, "minute": 15, "second": 22}
